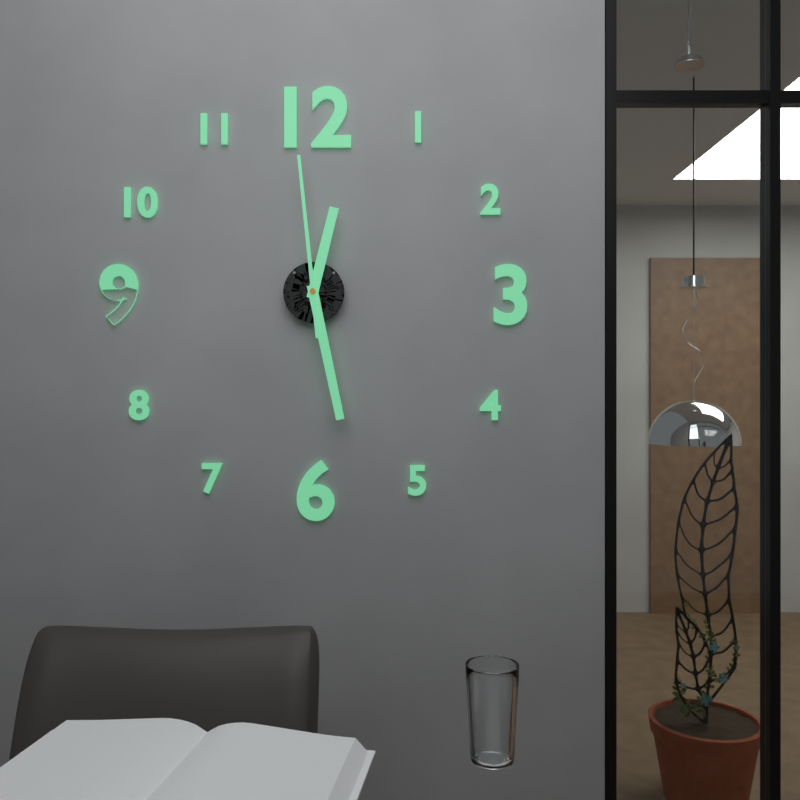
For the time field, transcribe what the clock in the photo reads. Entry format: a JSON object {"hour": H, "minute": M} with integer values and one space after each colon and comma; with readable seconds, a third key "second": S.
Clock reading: {"hour": 12, "minute": 28, "second": 59}
